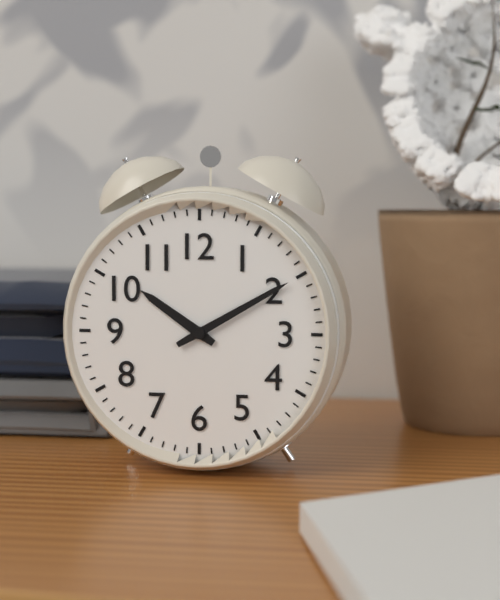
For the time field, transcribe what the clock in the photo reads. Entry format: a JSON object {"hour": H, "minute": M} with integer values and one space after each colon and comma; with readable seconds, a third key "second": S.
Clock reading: {"hour": 10, "minute": 10}
